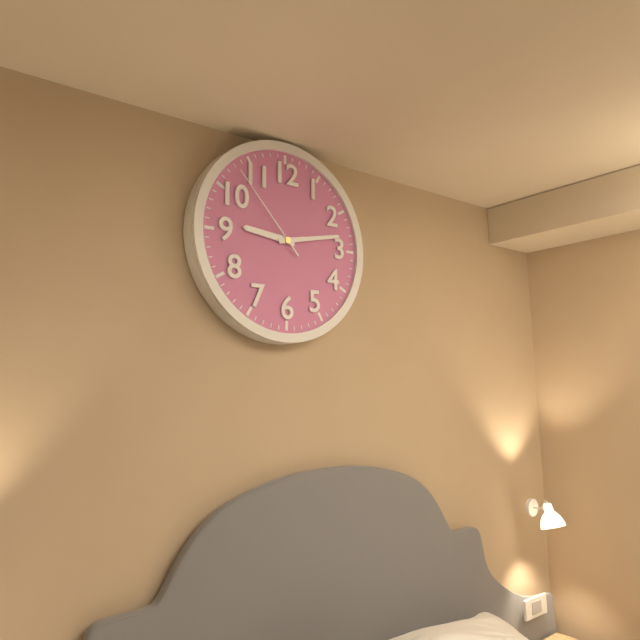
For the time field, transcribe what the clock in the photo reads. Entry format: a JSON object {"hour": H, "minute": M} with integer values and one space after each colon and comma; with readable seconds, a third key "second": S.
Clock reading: {"hour": 9, "minute": 13, "second": 53}
